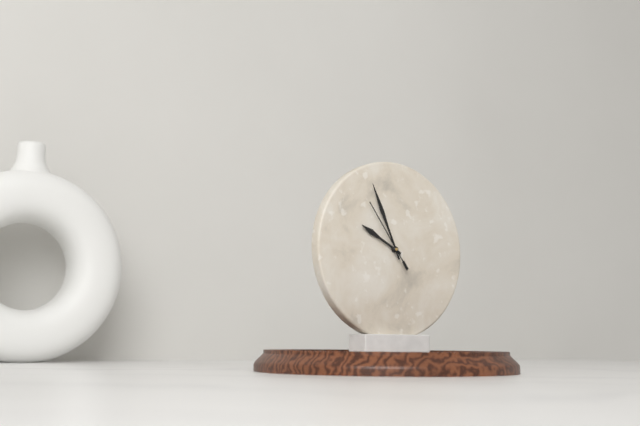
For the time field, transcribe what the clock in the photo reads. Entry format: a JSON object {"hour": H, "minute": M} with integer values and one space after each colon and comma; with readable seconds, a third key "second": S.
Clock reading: {"hour": 9, "minute": 56, "second": 54}
